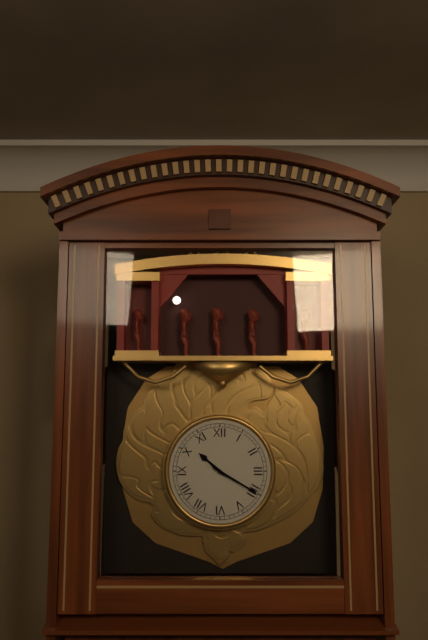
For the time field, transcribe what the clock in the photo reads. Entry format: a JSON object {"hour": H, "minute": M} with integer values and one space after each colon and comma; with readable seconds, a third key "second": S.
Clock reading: {"hour": 10, "minute": 20}
